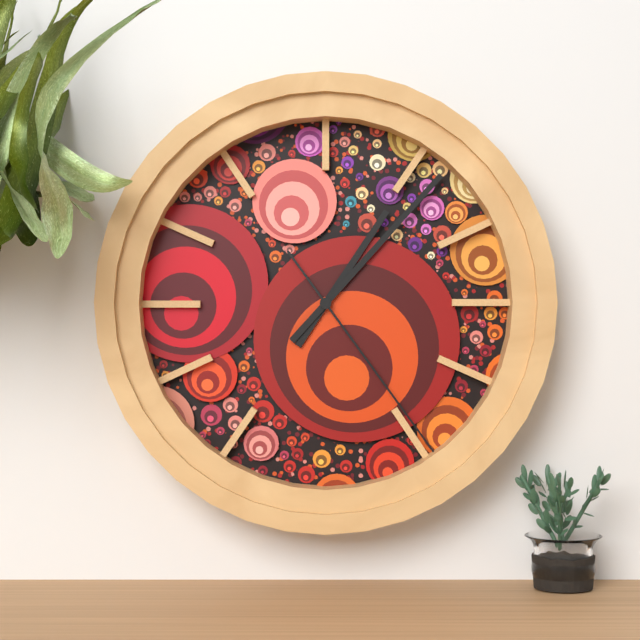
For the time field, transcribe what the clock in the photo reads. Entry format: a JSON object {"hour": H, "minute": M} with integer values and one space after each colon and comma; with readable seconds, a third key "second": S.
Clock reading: {"hour": 1, "minute": 7, "second": 24}
